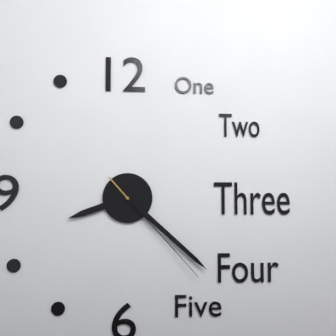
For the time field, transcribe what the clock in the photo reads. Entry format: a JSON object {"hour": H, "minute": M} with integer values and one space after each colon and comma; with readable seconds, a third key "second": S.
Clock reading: {"hour": 8, "minute": 22, "second": 23}
